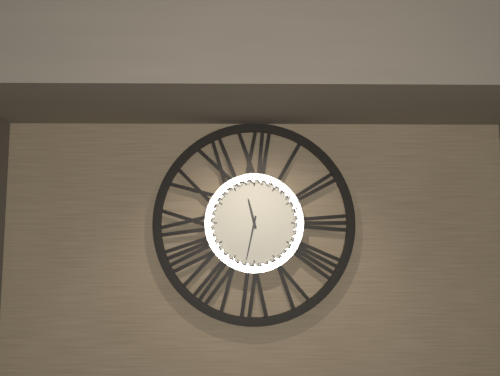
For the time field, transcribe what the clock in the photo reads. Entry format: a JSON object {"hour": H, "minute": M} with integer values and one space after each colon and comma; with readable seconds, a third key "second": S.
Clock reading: {"hour": 11, "minute": 32}
